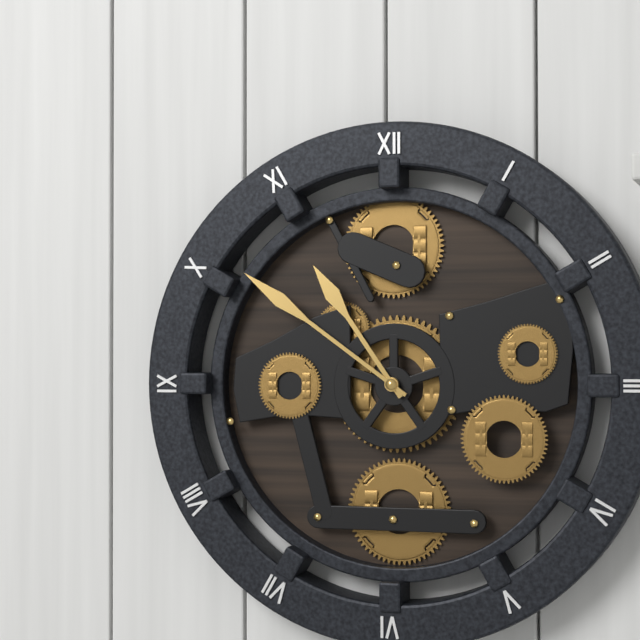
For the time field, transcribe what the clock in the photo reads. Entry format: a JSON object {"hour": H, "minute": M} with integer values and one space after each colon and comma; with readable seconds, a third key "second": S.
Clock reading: {"hour": 10, "minute": 51}
